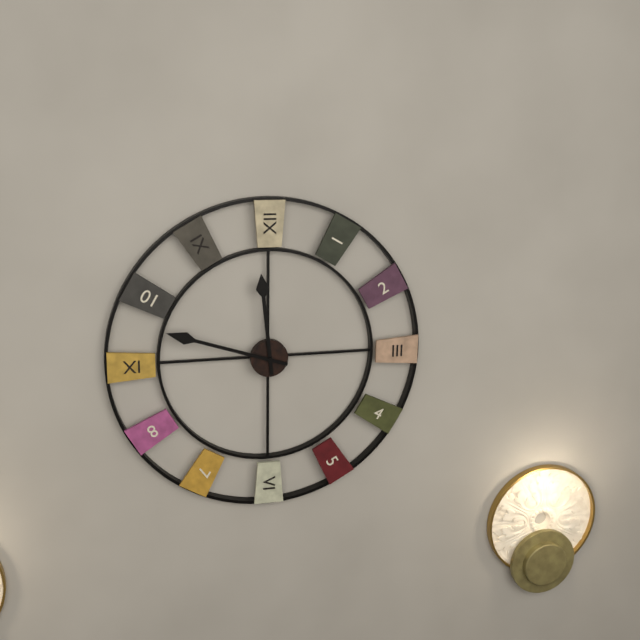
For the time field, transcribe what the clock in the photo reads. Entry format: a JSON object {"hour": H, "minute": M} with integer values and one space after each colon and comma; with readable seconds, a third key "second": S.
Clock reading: {"hour": 11, "minute": 48}
